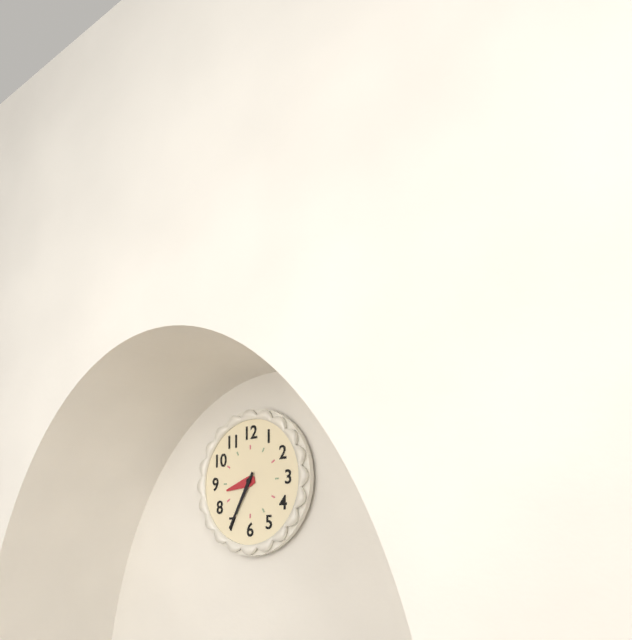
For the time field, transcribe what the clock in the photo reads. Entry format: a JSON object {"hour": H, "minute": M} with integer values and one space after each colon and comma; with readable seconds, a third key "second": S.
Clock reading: {"hour": 8, "minute": 35}
